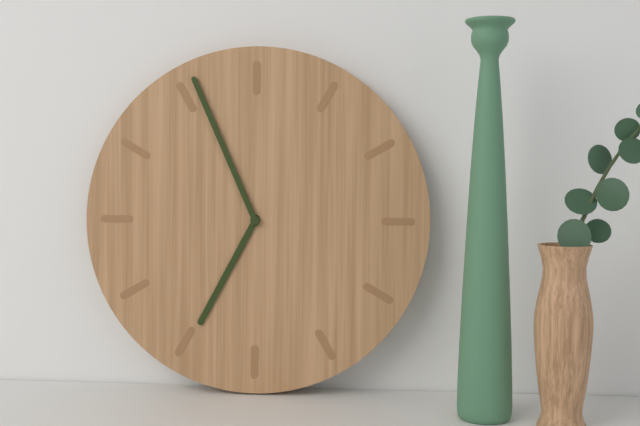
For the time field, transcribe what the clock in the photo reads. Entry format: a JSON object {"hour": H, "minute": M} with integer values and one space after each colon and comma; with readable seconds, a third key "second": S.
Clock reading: {"hour": 6, "minute": 56}
